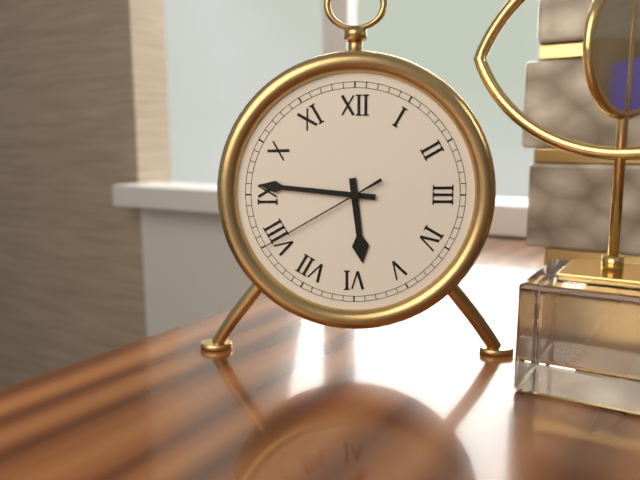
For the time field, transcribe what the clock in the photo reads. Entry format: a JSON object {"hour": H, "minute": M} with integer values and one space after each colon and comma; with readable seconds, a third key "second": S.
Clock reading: {"hour": 5, "minute": 46, "second": 40}
